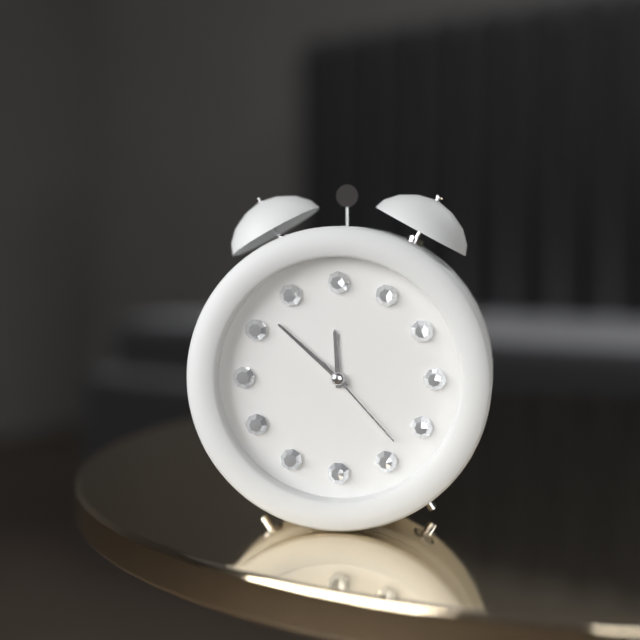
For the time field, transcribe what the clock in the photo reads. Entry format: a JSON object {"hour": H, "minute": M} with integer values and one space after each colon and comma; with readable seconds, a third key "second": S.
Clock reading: {"hour": 11, "minute": 52, "second": 23}
